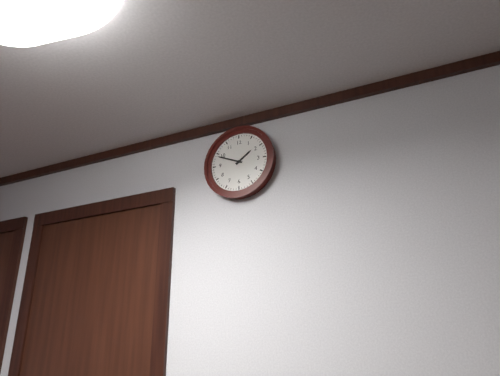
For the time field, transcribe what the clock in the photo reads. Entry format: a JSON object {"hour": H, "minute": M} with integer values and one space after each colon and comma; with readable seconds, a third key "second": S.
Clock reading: {"hour": 1, "minute": 49}
